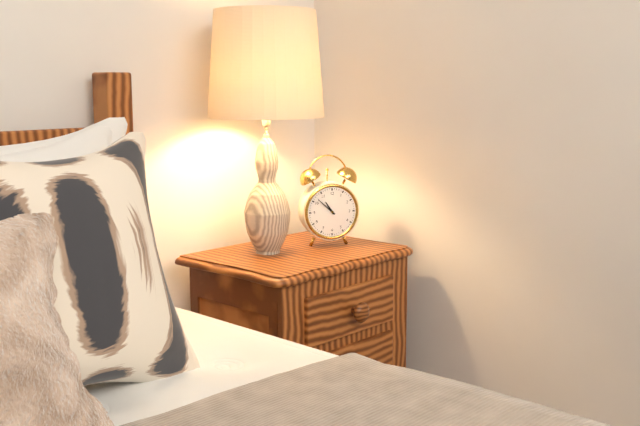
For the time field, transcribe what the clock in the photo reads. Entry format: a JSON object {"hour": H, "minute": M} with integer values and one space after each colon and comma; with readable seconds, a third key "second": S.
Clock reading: {"hour": 10, "minute": 52}
